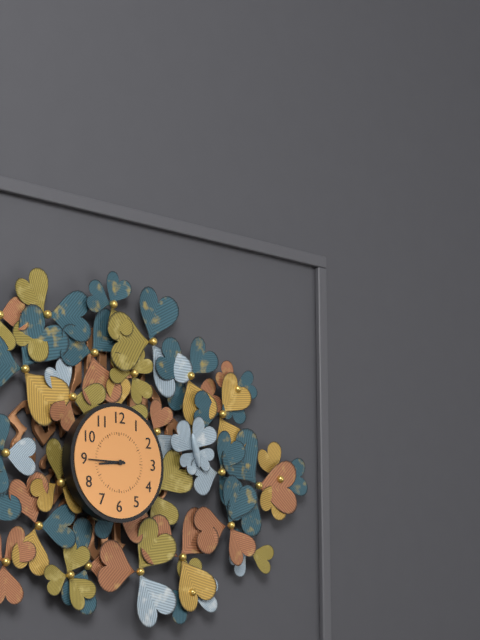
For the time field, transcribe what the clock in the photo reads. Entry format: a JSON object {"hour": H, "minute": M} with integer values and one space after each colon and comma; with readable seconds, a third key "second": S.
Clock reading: {"hour": 8, "minute": 45}
